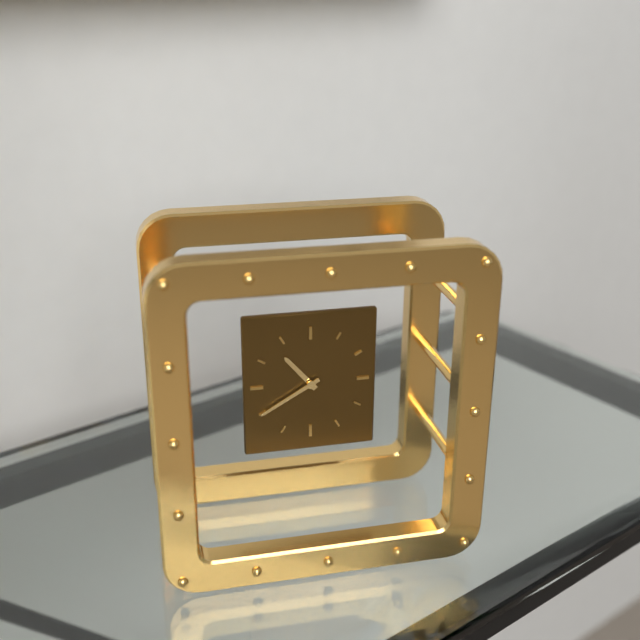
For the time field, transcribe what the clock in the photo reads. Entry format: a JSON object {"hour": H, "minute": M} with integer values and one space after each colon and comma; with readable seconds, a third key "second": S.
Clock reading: {"hour": 10, "minute": 40}
